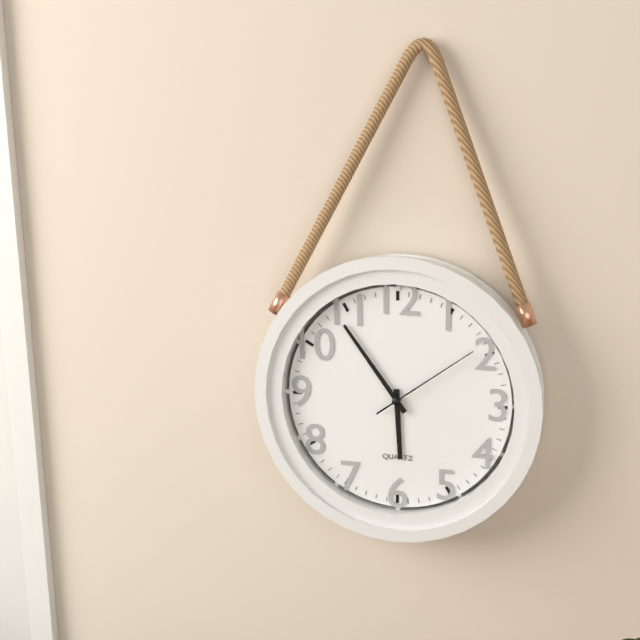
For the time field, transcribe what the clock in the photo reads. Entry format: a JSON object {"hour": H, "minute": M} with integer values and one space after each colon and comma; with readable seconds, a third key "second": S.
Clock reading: {"hour": 5, "minute": 54, "second": 9}
